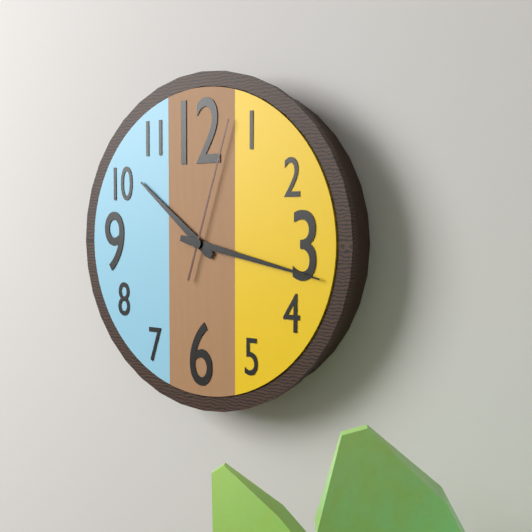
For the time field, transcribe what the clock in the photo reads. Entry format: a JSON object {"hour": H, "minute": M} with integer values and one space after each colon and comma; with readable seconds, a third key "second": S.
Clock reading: {"hour": 10, "minute": 17, "second": 3}
